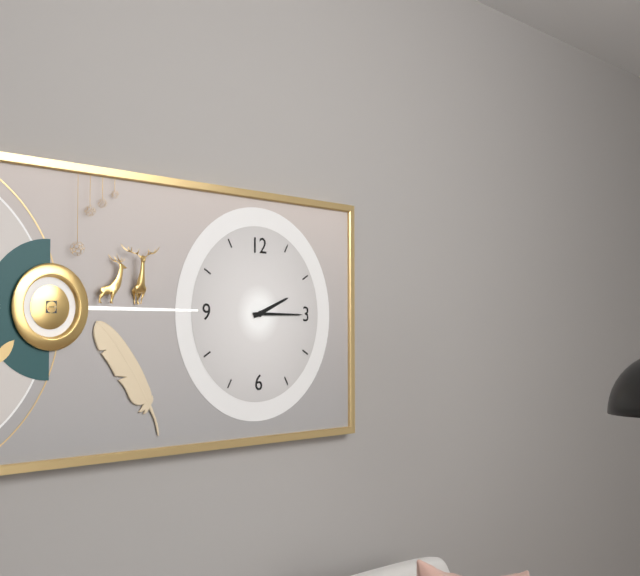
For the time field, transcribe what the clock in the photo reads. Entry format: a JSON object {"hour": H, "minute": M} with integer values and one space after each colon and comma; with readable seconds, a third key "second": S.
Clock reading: {"hour": 2, "minute": 15}
